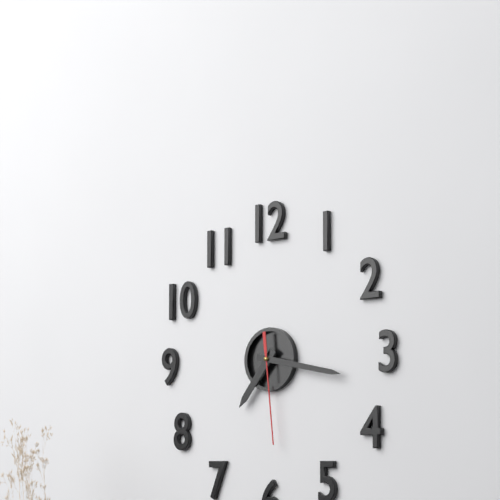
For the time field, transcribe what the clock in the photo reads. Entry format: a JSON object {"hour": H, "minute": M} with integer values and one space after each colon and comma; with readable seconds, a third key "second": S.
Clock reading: {"hour": 7, "minute": 17, "second": 29}
